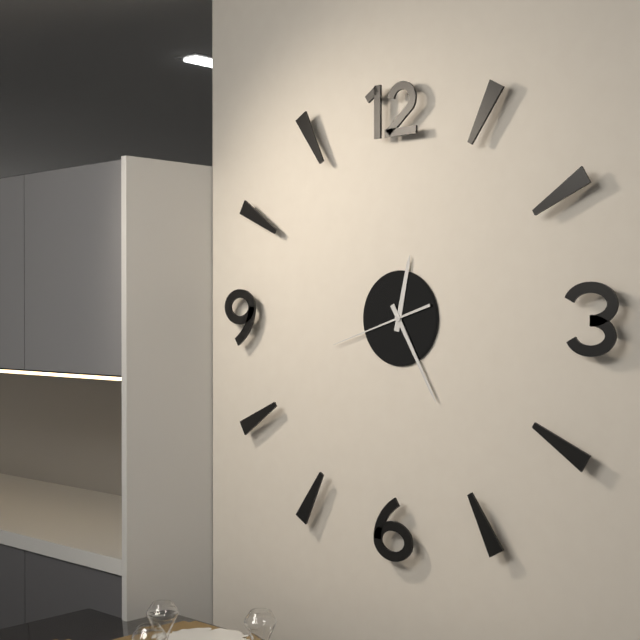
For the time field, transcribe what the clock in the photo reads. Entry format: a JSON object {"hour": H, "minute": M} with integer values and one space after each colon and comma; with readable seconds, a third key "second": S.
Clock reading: {"hour": 12, "minute": 25, "second": 42}
